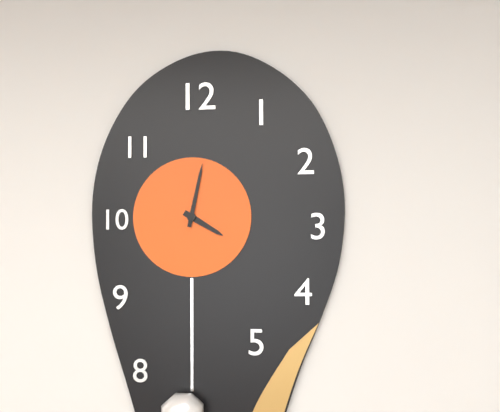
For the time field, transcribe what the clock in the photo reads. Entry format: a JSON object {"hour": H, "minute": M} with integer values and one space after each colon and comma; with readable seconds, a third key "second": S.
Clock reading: {"hour": 4, "minute": 2}
